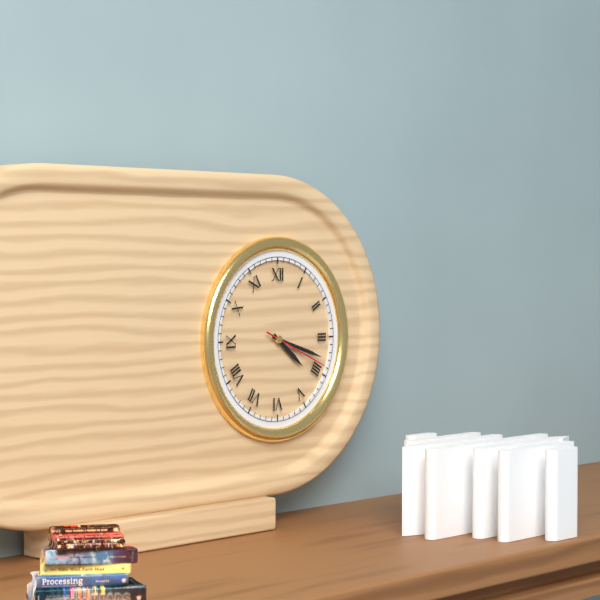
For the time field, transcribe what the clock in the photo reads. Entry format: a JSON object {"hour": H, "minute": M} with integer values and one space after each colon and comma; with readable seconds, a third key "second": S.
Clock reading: {"hour": 4, "minute": 18, "second": 19}
